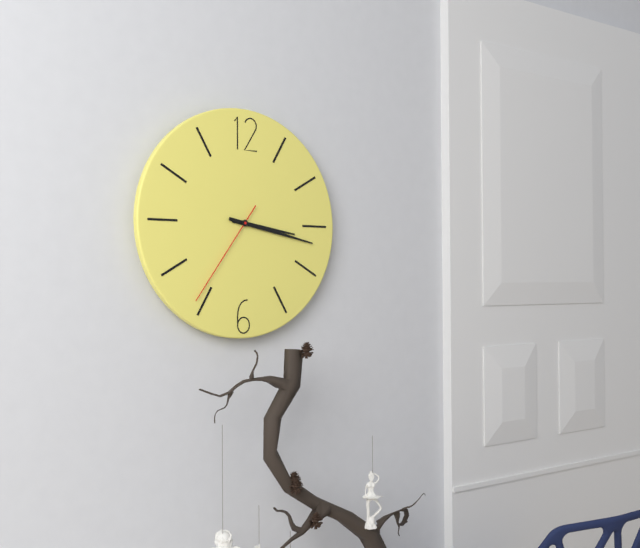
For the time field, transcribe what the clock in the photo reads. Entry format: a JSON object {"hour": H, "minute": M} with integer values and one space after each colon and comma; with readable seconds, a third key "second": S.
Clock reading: {"hour": 3, "minute": 17, "second": 36}
